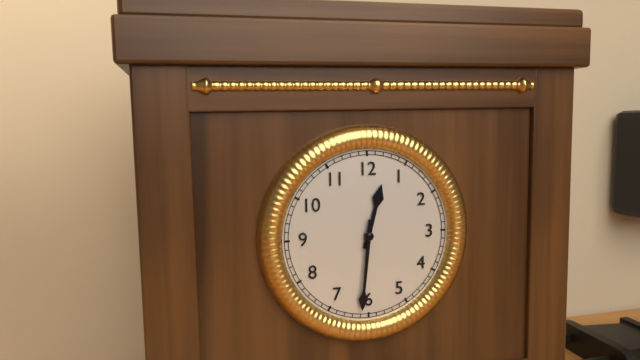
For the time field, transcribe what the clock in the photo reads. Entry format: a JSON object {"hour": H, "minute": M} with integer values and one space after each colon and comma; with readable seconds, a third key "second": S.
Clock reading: {"hour": 12, "minute": 31}
